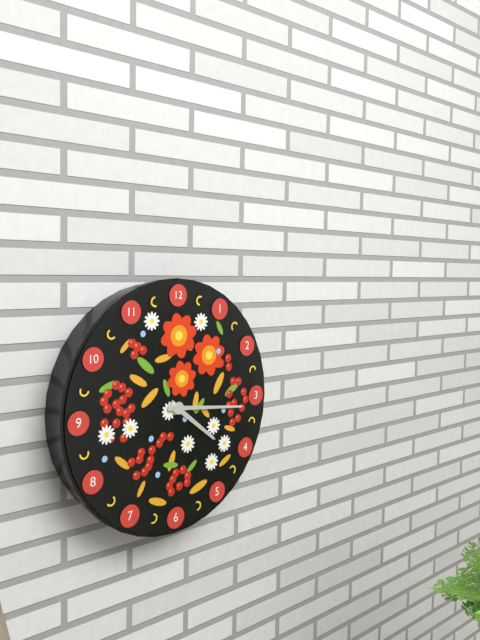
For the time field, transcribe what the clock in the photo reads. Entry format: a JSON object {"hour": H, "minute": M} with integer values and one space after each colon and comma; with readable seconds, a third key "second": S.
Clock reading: {"hour": 4, "minute": 16}
